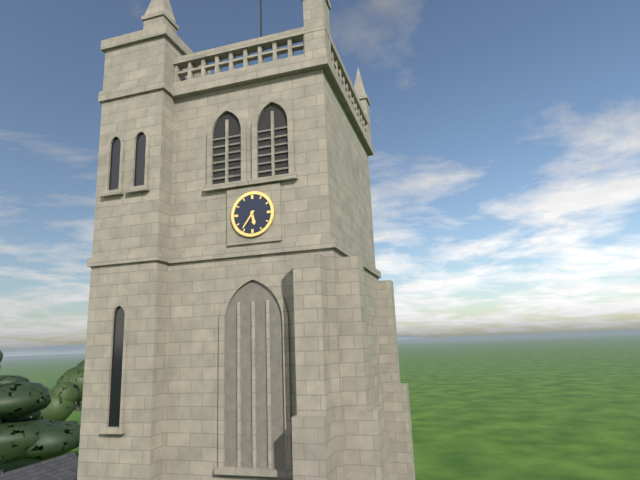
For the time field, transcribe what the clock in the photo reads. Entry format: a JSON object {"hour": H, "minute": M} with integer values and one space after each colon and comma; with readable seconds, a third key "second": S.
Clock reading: {"hour": 5, "minute": 36}
